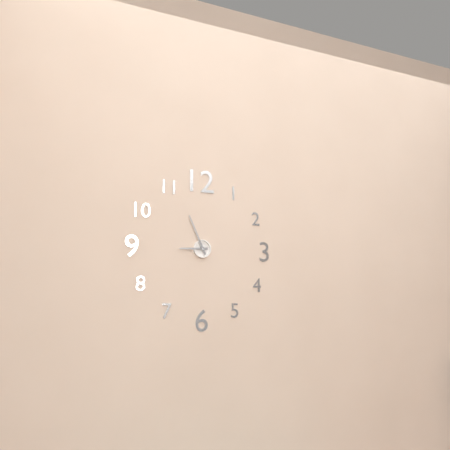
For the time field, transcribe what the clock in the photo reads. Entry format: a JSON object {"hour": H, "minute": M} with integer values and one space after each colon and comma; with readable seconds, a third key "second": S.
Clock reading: {"hour": 8, "minute": 56}
